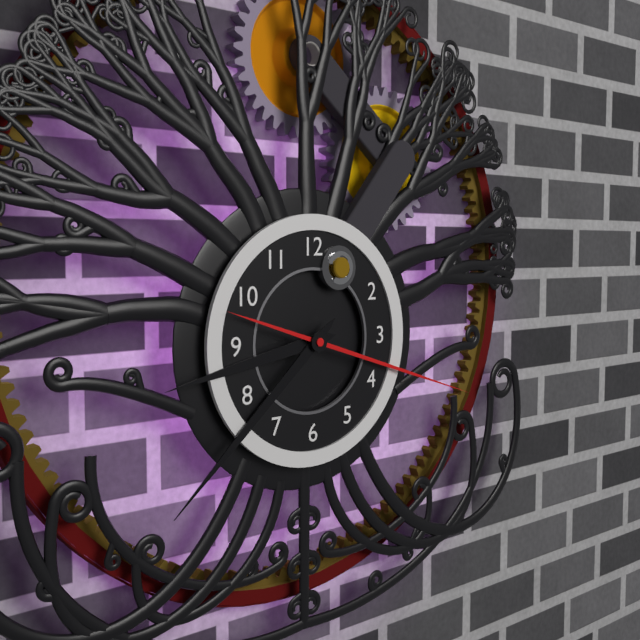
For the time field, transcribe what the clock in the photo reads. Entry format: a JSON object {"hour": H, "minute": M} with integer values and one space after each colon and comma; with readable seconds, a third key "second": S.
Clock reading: {"hour": 8, "minute": 38, "second": 18}
